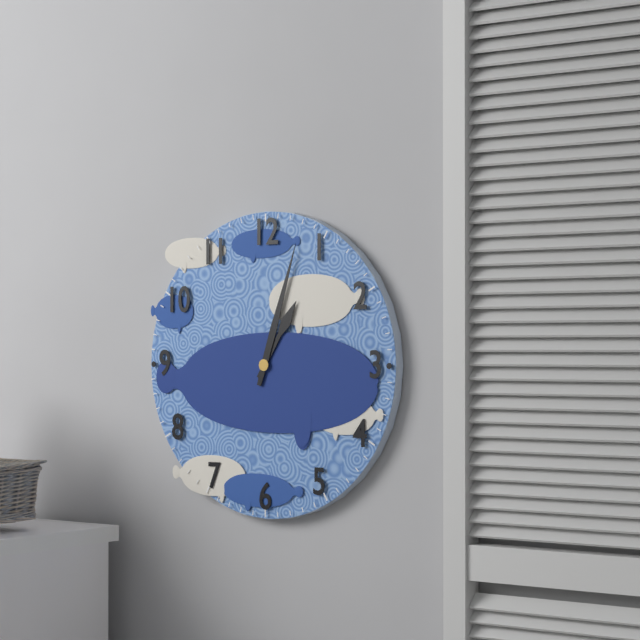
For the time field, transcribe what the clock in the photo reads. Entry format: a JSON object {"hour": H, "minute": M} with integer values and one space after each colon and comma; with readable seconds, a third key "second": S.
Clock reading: {"hour": 1, "minute": 3}
